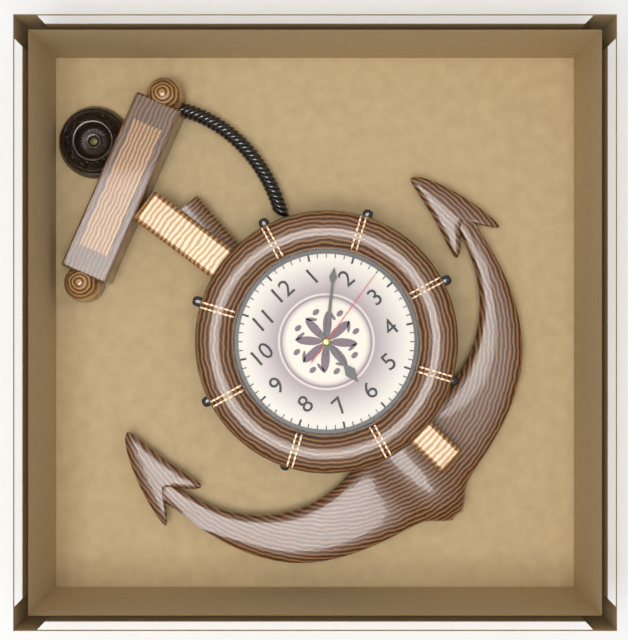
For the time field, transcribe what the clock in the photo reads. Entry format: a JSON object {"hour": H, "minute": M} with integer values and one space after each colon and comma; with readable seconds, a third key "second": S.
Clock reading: {"hour": 6, "minute": 8, "second": 13}
